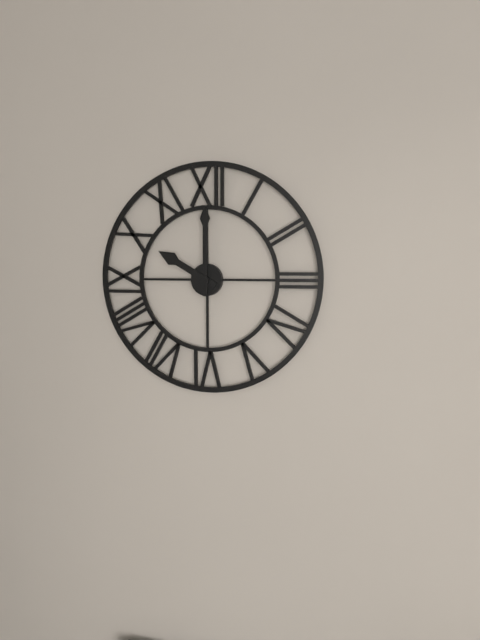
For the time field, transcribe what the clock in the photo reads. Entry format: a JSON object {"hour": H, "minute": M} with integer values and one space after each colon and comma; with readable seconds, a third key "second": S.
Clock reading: {"hour": 10, "minute": 0}
